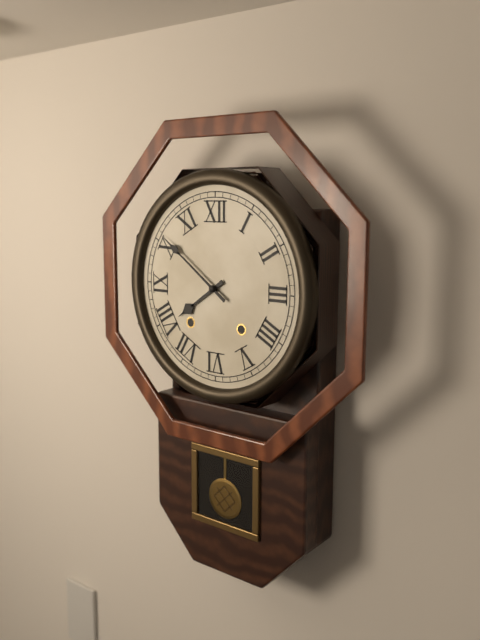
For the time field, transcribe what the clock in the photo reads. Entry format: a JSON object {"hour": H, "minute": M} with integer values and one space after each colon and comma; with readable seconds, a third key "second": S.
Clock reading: {"hour": 7, "minute": 51}
